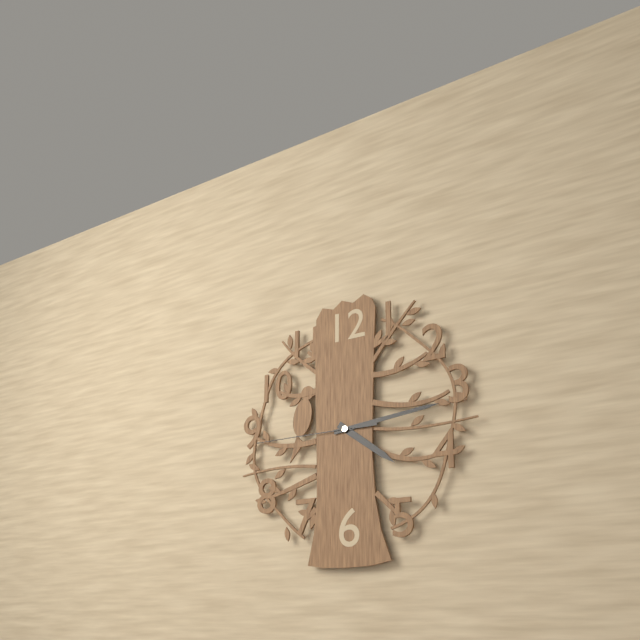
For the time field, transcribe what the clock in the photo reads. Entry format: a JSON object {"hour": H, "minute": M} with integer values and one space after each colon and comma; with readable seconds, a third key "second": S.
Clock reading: {"hour": 4, "minute": 14, "second": 45}
